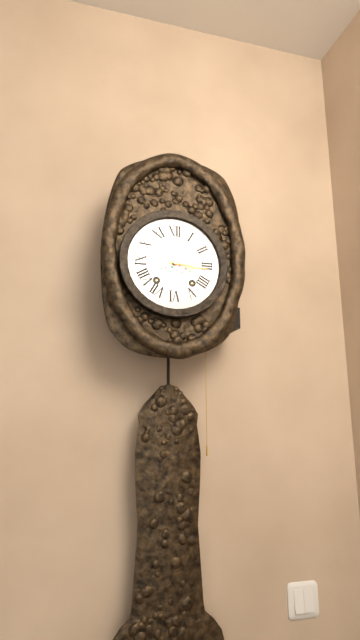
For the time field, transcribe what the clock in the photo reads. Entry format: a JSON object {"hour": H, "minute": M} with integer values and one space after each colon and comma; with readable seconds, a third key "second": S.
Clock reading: {"hour": 3, "minute": 16}
